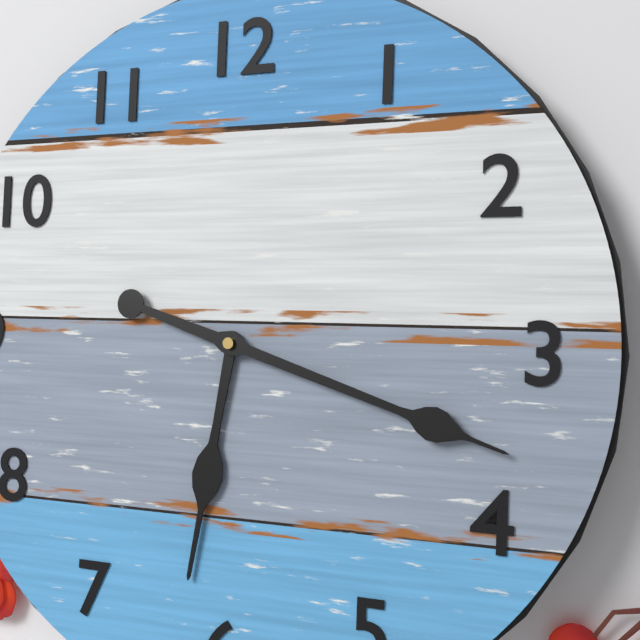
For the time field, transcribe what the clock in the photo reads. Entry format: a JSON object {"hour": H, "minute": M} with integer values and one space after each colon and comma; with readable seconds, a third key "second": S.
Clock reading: {"hour": 6, "minute": 18}
